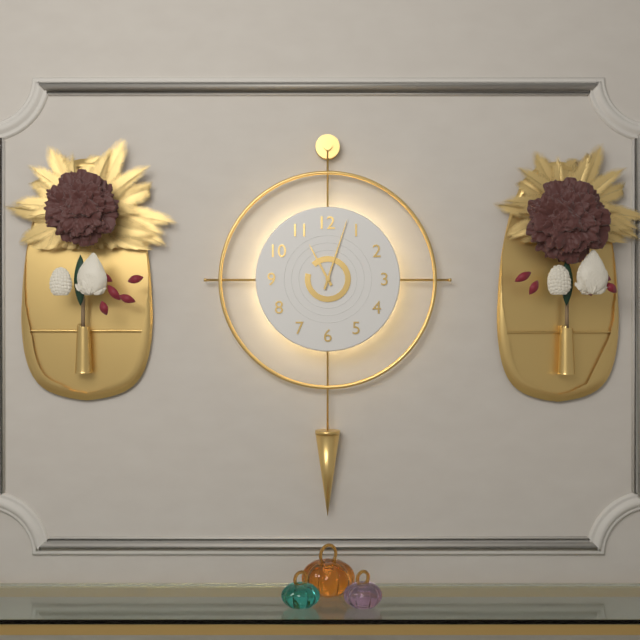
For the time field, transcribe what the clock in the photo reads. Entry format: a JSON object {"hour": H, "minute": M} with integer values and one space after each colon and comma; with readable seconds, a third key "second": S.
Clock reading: {"hour": 11, "minute": 3}
